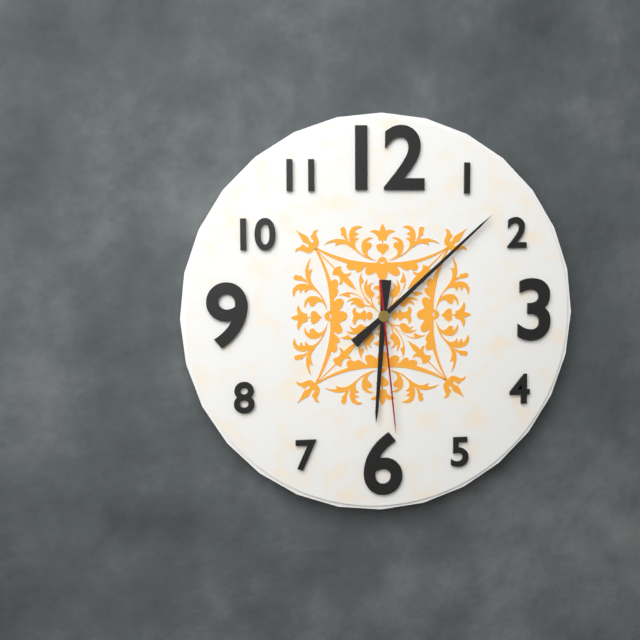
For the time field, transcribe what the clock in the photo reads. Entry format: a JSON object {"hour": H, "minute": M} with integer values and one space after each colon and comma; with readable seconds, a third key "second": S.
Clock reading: {"hour": 6, "minute": 8, "second": 29}
